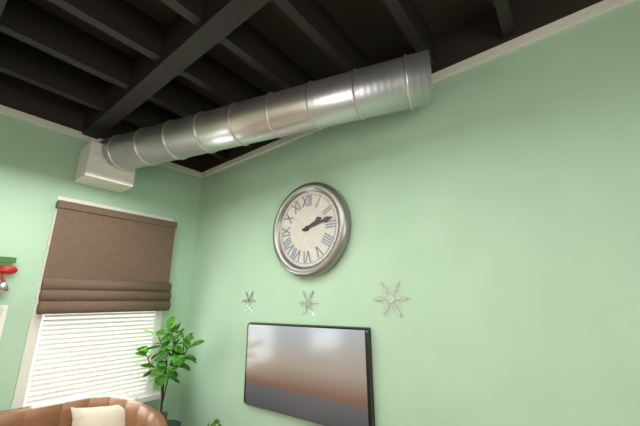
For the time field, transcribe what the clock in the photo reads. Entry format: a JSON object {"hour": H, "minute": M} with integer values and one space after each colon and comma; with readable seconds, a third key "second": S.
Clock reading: {"hour": 2, "minute": 13}
